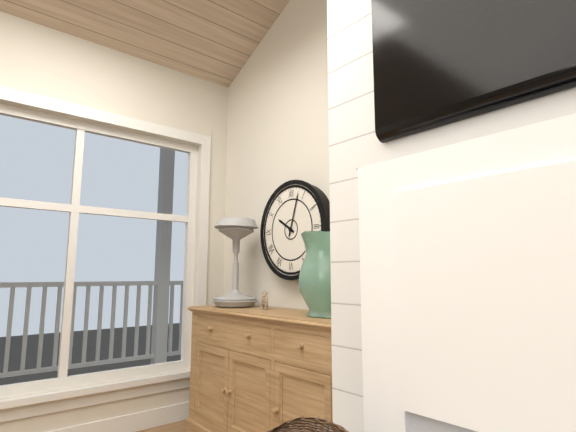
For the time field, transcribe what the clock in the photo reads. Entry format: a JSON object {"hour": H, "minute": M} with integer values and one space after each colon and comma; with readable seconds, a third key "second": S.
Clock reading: {"hour": 10, "minute": 3}
